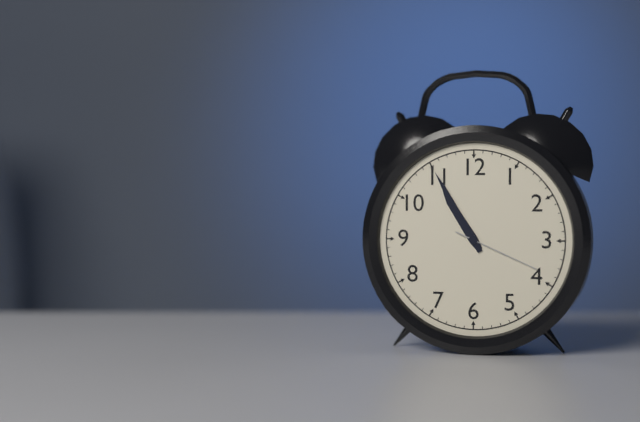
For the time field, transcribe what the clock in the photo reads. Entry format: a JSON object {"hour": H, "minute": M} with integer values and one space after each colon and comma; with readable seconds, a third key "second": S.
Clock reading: {"hour": 10, "minute": 55, "second": 19}
